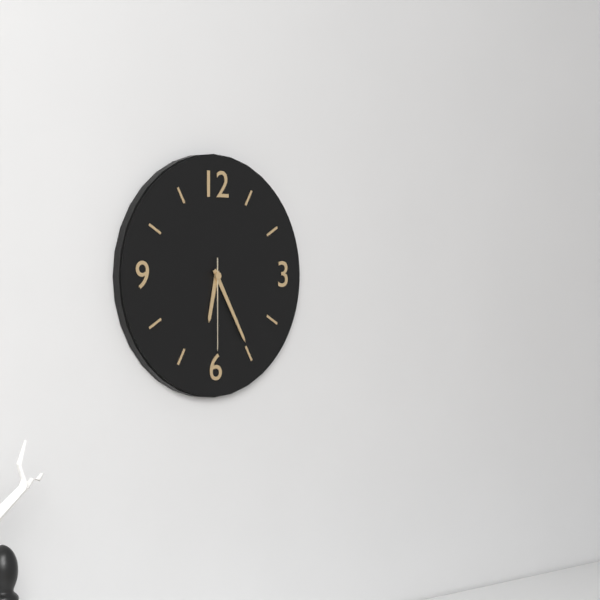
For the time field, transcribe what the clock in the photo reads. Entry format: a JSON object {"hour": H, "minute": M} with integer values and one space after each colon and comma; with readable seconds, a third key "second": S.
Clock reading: {"hour": 6, "minute": 25, "second": 30}
